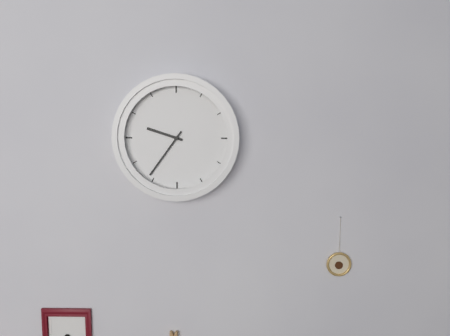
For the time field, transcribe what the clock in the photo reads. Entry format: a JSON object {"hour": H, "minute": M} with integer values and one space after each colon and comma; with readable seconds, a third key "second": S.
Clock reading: {"hour": 9, "minute": 36}
